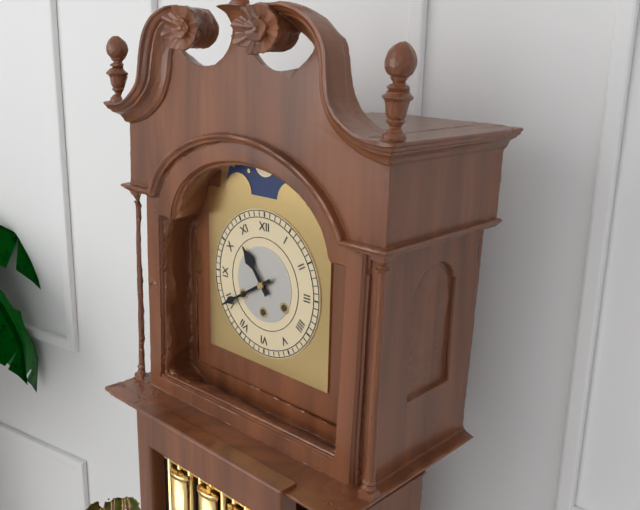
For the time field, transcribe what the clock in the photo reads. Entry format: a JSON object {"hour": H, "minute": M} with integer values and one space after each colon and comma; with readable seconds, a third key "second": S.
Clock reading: {"hour": 10, "minute": 40}
